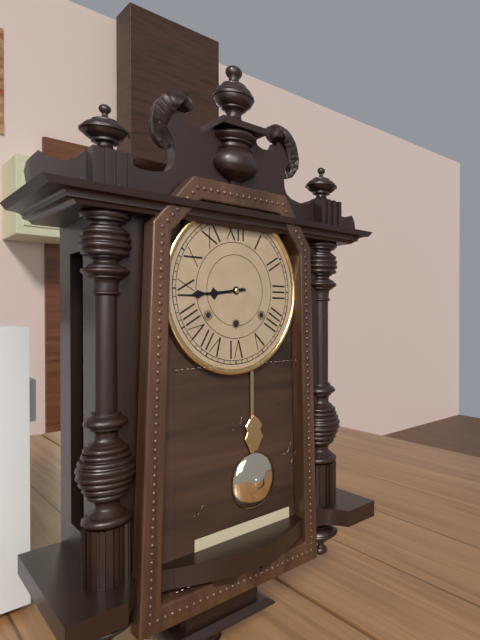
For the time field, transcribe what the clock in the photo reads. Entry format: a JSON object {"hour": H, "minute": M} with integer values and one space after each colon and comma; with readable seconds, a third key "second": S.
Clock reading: {"hour": 8, "minute": 44}
